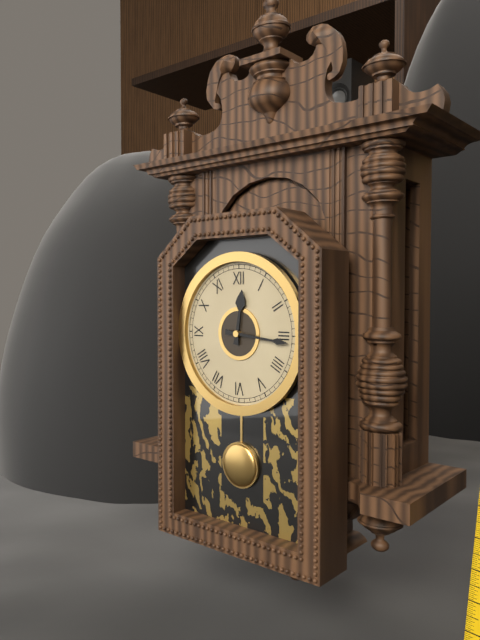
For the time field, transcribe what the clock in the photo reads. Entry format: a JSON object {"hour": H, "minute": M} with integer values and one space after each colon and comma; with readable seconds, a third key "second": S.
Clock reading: {"hour": 12, "minute": 16}
